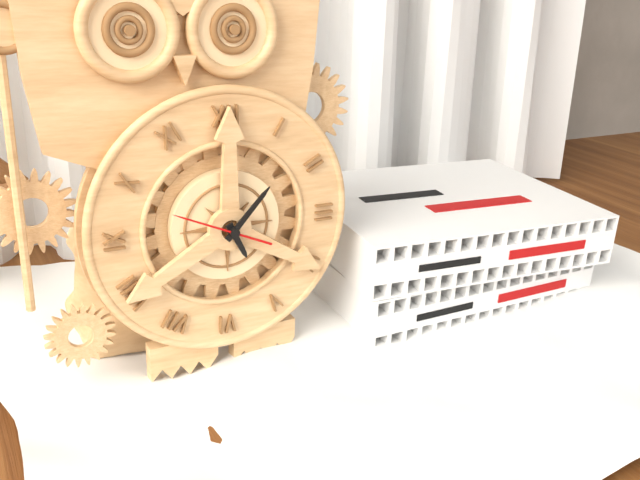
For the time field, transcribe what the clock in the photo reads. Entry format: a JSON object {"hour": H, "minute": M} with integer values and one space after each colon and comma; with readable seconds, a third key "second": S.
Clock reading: {"hour": 5, "minute": 7, "second": 49}
